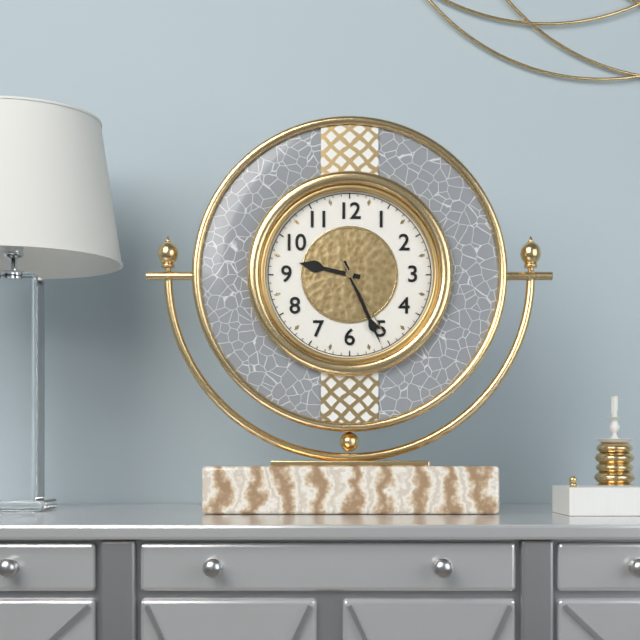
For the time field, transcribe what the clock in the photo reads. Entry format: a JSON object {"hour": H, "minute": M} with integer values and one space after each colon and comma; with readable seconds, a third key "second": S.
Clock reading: {"hour": 9, "minute": 26, "second": 25}
